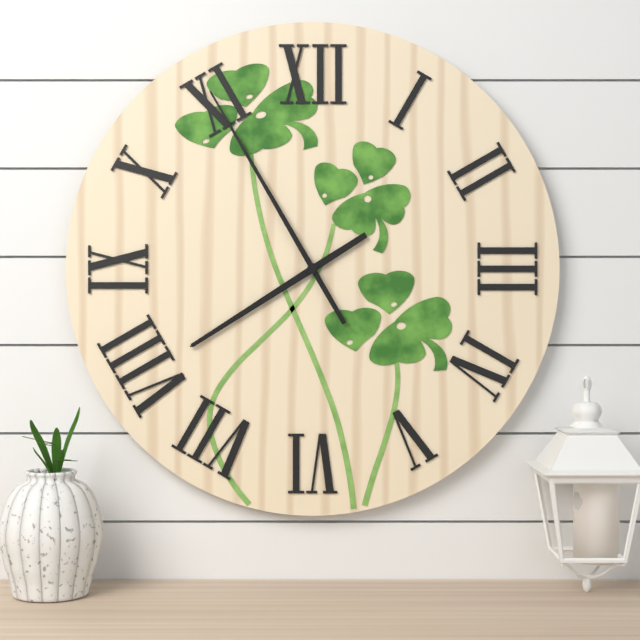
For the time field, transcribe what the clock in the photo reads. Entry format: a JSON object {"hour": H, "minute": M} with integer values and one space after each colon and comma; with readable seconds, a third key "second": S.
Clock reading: {"hour": 7, "minute": 55}
